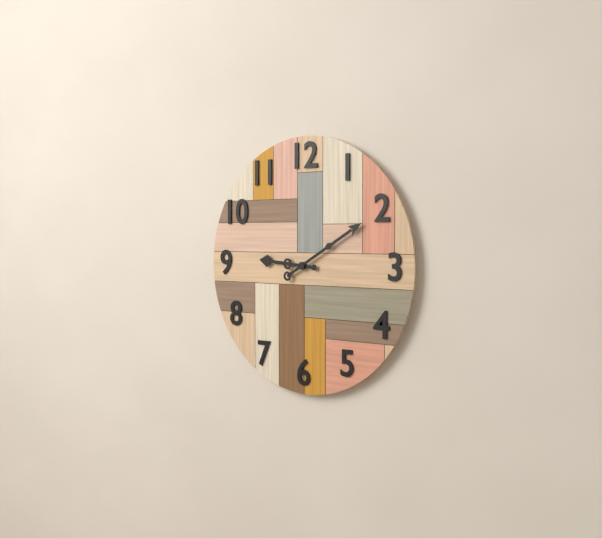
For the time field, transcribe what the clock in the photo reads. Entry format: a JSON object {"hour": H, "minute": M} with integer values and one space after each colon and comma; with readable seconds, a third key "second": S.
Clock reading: {"hour": 9, "minute": 10}
